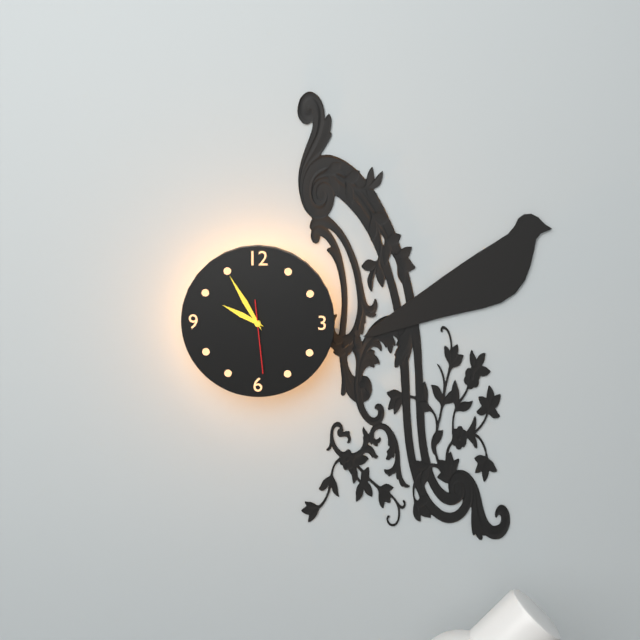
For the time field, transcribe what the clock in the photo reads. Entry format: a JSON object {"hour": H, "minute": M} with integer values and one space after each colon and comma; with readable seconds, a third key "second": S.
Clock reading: {"hour": 9, "minute": 55, "second": 29}
